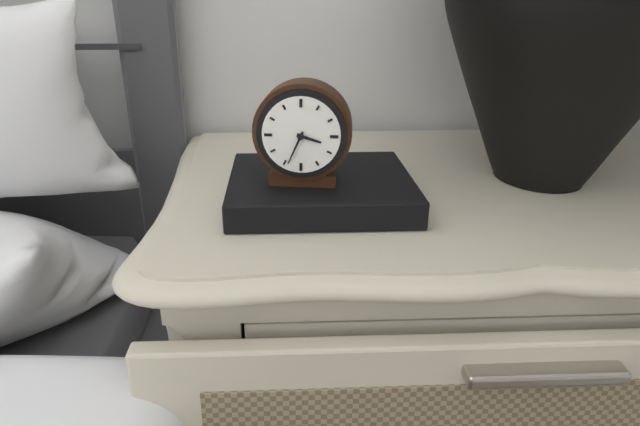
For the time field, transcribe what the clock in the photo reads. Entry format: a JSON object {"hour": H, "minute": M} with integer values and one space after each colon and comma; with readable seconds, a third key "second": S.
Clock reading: {"hour": 3, "minute": 34}
